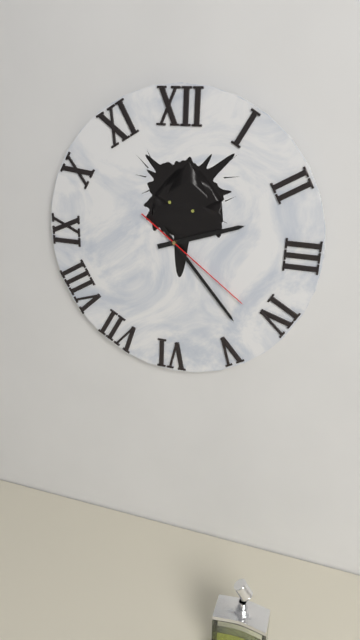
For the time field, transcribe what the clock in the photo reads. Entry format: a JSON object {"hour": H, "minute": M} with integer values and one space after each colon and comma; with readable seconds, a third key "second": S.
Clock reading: {"hour": 2, "minute": 23, "second": 21}
